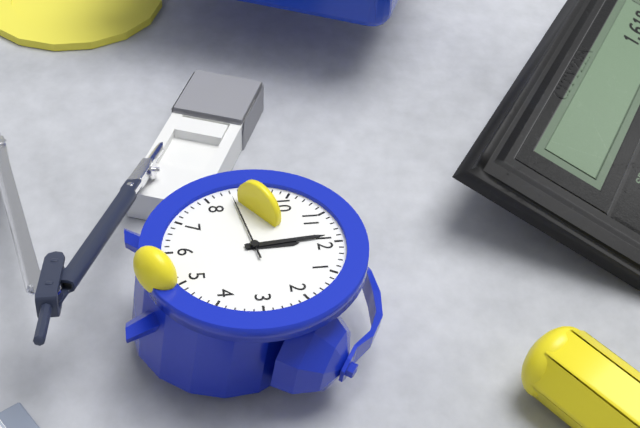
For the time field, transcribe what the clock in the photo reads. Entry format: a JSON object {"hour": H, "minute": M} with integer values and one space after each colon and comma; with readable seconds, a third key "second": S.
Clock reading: {"hour": 11, "minute": 59, "second": 43}
